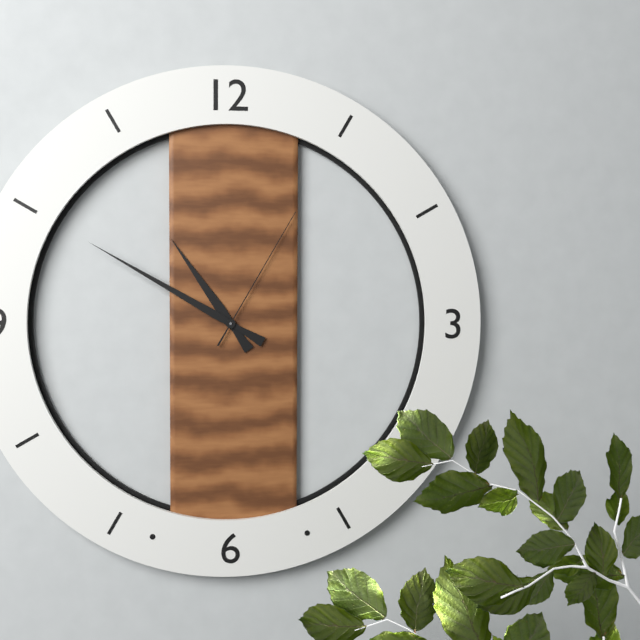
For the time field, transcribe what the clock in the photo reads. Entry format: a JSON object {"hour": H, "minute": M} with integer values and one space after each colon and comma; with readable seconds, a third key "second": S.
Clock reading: {"hour": 10, "minute": 50, "second": 5}
